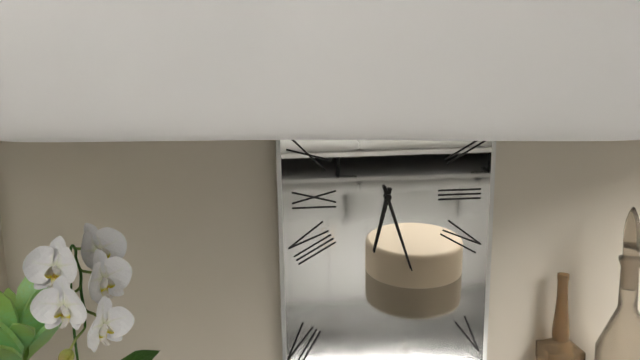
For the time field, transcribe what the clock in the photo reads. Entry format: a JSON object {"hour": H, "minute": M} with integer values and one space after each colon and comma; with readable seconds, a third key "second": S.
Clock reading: {"hour": 6, "minute": 27}
